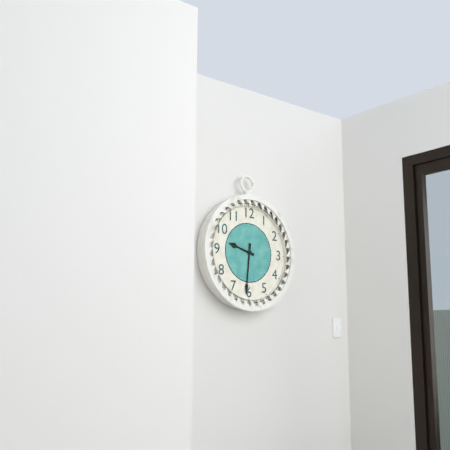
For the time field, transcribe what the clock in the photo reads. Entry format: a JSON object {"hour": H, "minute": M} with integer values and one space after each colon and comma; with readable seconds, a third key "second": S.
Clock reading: {"hour": 9, "minute": 31}
